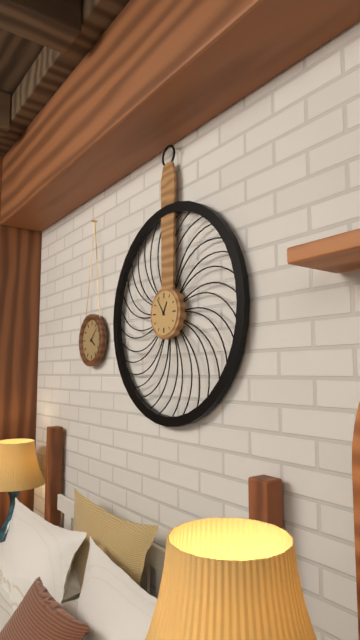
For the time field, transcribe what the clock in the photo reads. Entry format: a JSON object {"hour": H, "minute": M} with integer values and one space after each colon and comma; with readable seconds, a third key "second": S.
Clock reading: {"hour": 12, "minute": 54}
